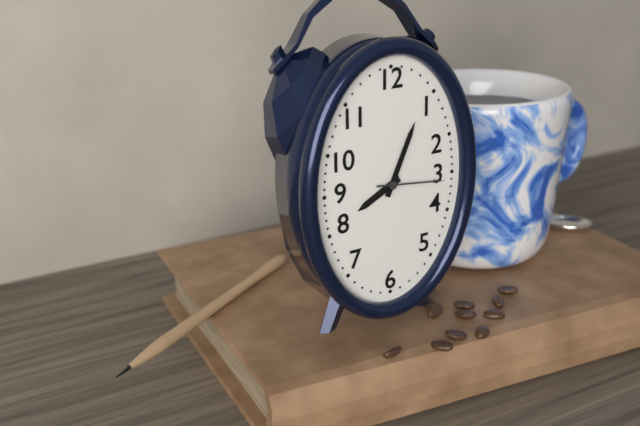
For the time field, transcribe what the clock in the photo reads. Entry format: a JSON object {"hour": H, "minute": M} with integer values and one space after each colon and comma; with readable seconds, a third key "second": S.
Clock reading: {"hour": 8, "minute": 4, "second": 16}
